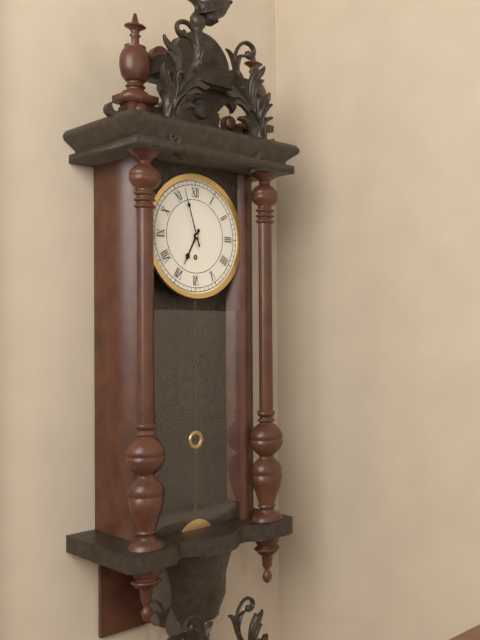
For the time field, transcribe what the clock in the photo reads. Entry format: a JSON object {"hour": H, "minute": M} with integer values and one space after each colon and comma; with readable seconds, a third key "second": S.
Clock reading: {"hour": 6, "minute": 57}
